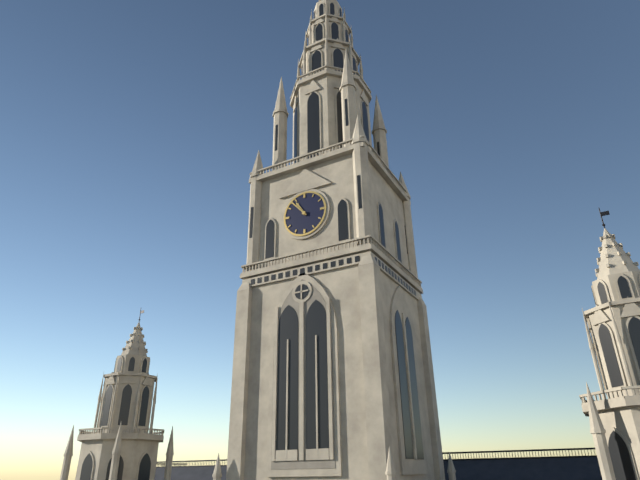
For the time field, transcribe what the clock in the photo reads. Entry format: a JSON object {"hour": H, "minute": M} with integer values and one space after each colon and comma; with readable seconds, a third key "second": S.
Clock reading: {"hour": 10, "minute": 53}
